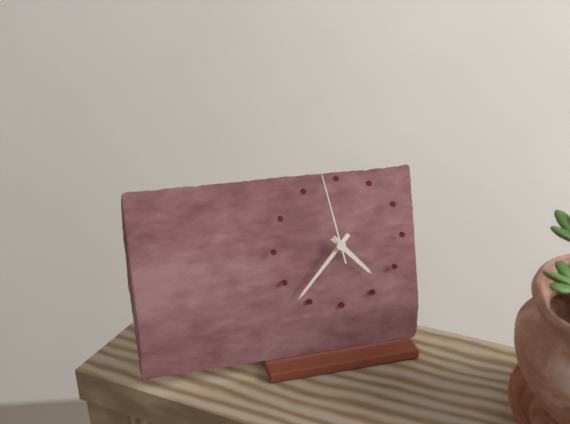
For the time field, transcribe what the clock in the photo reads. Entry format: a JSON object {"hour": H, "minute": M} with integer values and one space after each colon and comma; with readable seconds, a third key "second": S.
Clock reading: {"hour": 4, "minute": 37, "second": 58}
